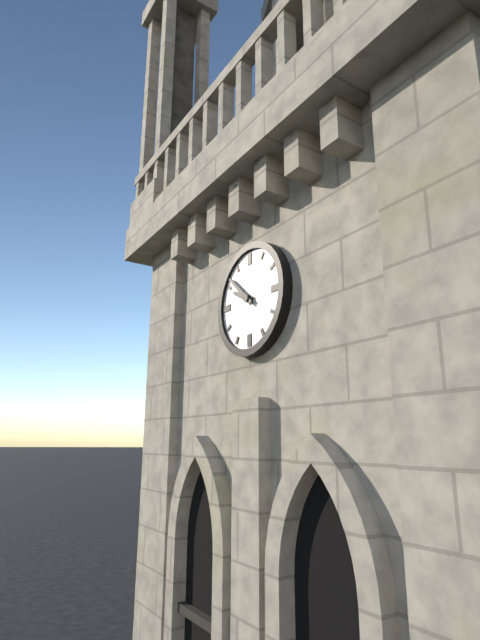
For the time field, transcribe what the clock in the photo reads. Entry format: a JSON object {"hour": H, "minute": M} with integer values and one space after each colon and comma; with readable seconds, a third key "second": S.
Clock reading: {"hour": 9, "minute": 52}
